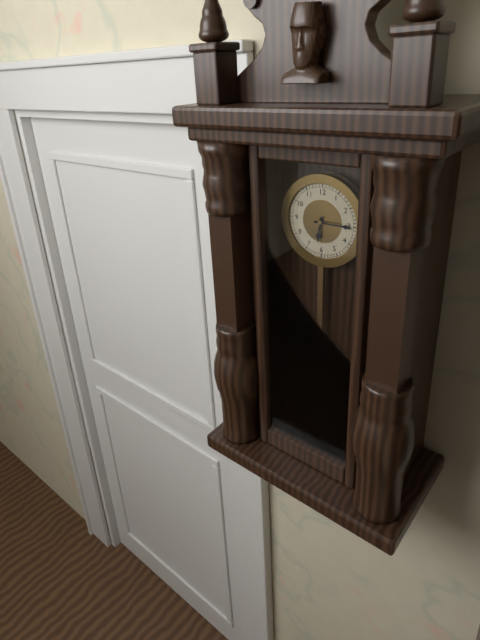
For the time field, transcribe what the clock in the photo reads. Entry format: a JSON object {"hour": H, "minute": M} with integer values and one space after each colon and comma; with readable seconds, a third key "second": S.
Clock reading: {"hour": 6, "minute": 15}
